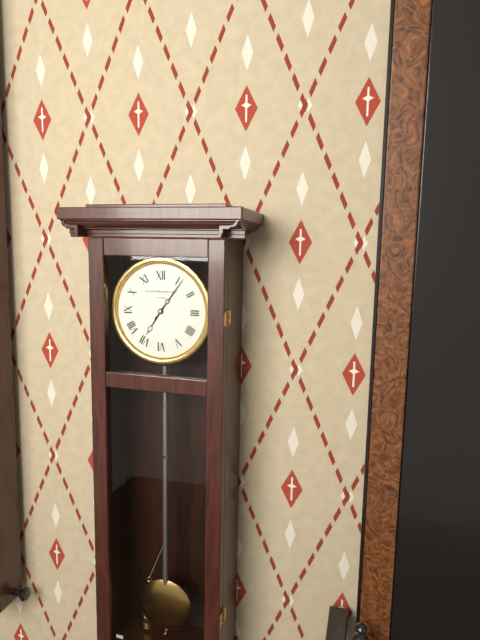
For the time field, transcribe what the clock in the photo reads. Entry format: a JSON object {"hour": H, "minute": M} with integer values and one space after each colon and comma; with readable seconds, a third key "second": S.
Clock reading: {"hour": 7, "minute": 6}
